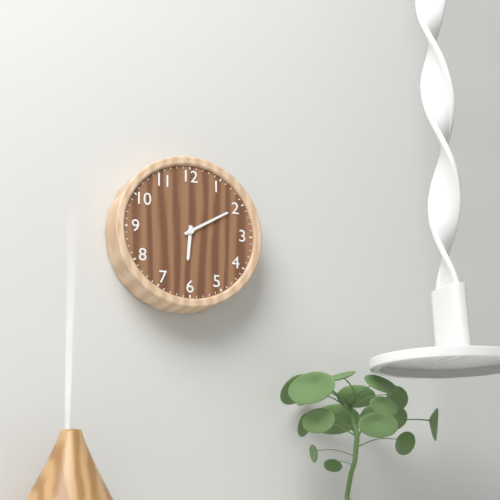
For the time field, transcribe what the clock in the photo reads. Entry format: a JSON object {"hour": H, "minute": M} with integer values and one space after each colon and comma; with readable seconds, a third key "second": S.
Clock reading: {"hour": 6, "minute": 10}
